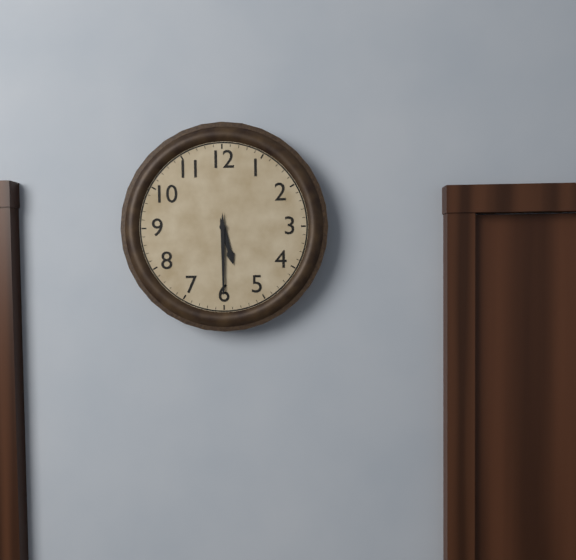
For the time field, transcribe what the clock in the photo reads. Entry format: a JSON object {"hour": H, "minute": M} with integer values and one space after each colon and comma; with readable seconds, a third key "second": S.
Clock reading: {"hour": 5, "minute": 30}
